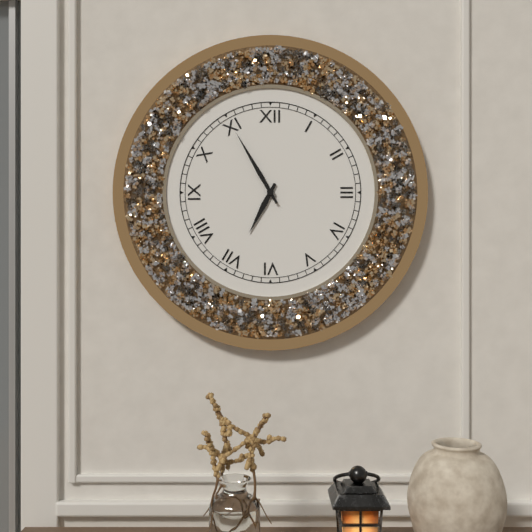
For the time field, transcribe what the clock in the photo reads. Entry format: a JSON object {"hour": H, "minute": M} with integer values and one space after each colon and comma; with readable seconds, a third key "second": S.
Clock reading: {"hour": 6, "minute": 55}
